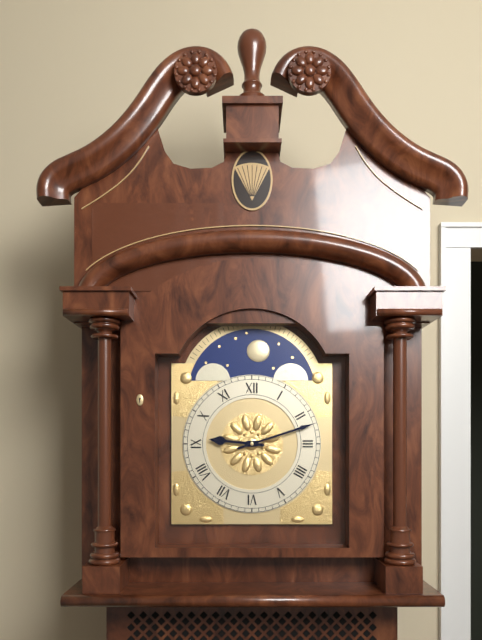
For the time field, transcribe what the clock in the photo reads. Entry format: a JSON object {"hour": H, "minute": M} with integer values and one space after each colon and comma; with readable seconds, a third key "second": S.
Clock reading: {"hour": 9, "minute": 12}
